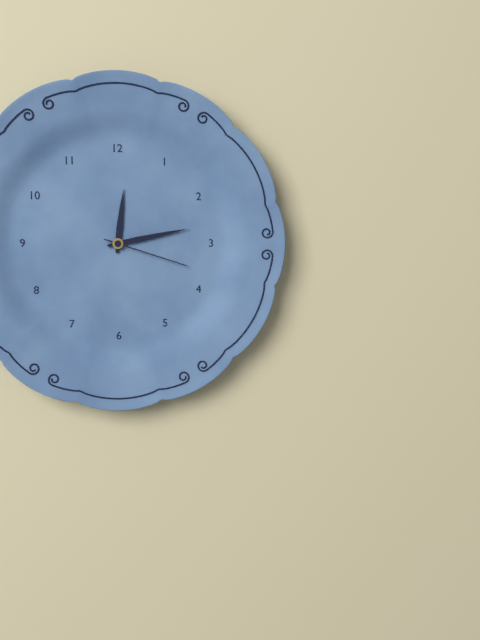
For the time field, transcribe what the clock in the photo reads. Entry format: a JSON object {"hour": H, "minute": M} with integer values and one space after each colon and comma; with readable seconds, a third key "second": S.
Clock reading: {"hour": 12, "minute": 13, "second": 18}
